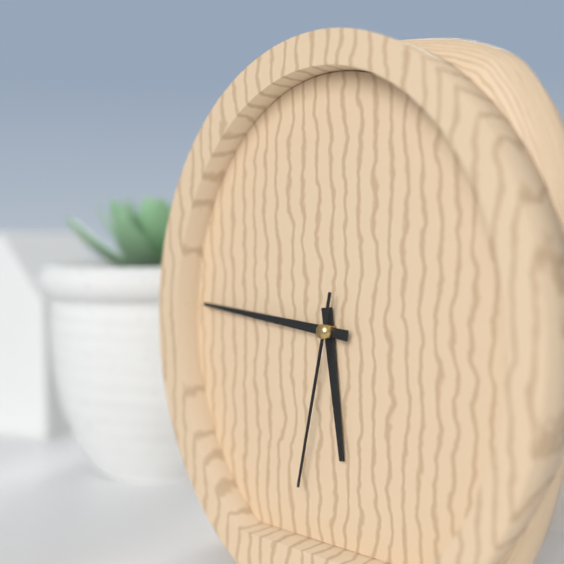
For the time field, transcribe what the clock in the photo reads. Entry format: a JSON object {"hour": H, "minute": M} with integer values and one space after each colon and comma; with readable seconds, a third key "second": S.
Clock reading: {"hour": 5, "minute": 46, "second": 32}
